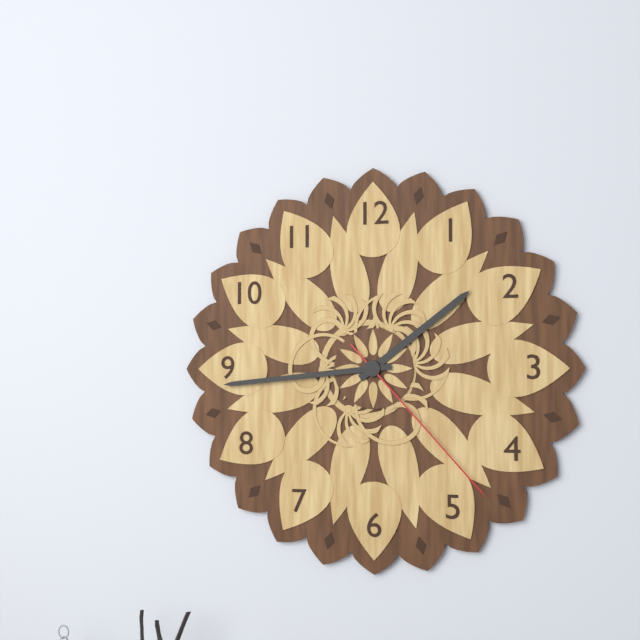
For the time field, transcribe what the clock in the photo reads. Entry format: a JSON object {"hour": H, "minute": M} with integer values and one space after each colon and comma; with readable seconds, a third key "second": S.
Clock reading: {"hour": 1, "minute": 44, "second": 23}
